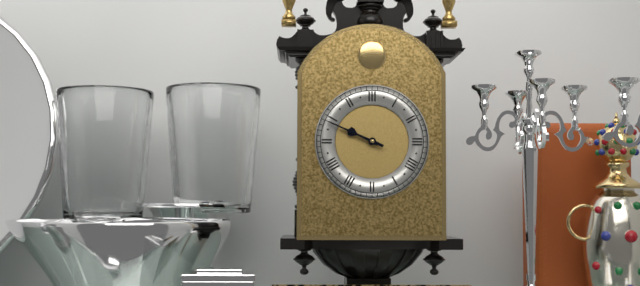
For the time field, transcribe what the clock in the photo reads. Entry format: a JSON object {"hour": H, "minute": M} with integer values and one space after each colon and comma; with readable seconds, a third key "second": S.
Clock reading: {"hour": 9, "minute": 49}
